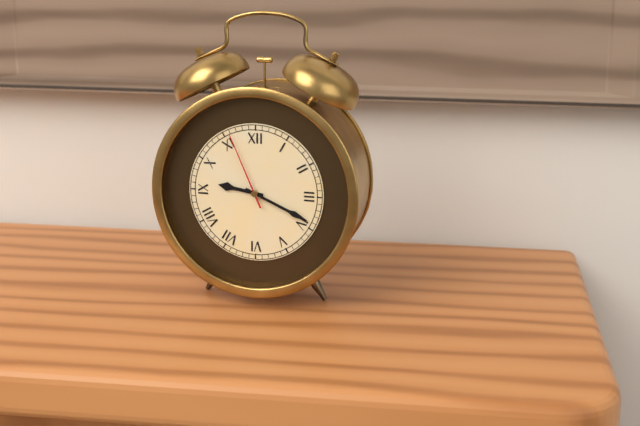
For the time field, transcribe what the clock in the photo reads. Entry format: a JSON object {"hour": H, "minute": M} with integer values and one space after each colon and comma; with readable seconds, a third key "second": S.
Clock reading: {"hour": 9, "minute": 19, "second": 56}
